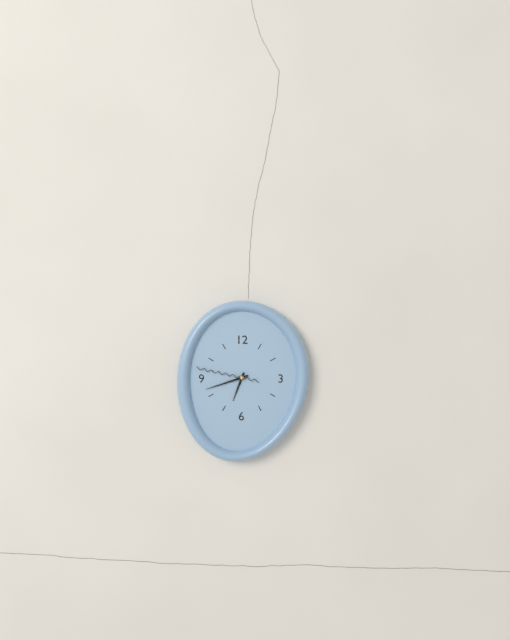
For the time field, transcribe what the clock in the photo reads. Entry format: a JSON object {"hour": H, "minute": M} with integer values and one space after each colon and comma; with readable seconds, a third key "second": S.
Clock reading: {"hour": 6, "minute": 42, "second": 47}
